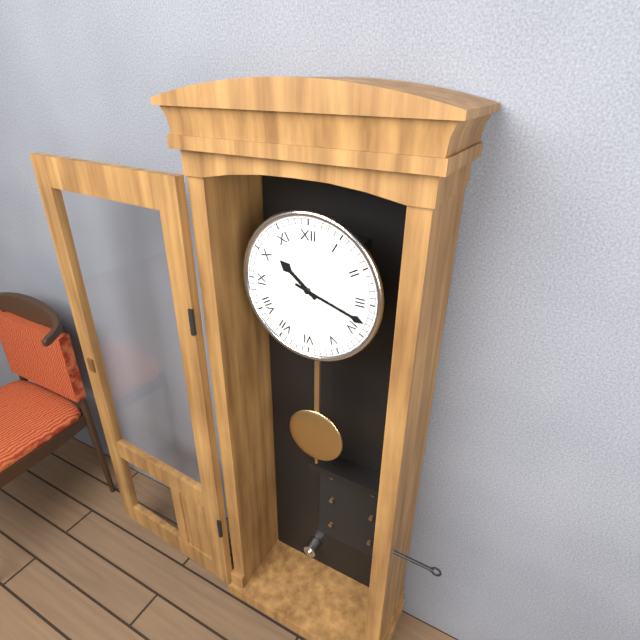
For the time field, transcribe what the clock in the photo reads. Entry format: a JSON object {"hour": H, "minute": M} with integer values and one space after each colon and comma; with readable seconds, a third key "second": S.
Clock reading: {"hour": 10, "minute": 18}
